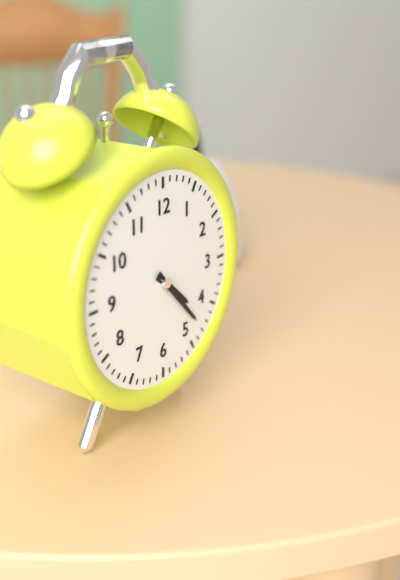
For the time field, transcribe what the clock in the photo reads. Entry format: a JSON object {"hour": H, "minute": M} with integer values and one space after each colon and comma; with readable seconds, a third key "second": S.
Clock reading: {"hour": 4, "minute": 23}
